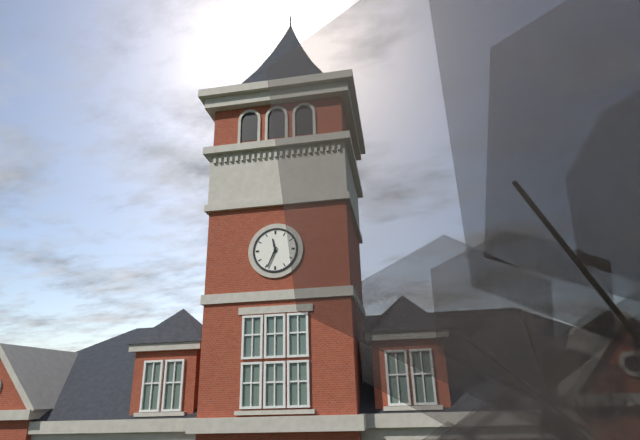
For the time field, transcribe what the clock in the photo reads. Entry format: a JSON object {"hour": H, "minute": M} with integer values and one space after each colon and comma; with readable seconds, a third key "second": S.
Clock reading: {"hour": 11, "minute": 34}
